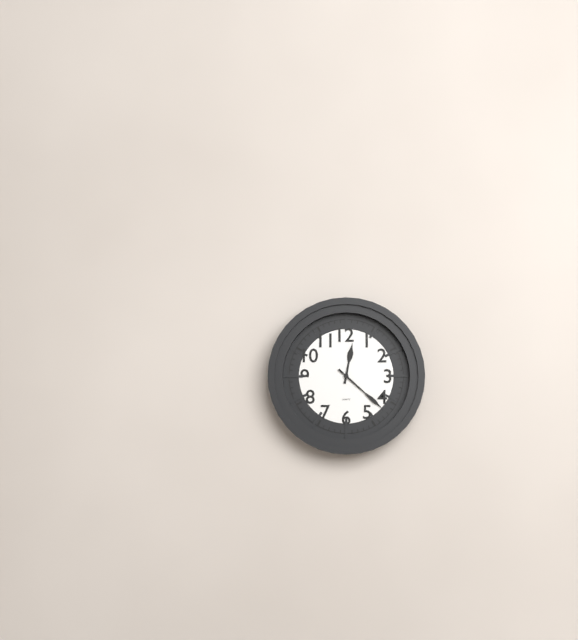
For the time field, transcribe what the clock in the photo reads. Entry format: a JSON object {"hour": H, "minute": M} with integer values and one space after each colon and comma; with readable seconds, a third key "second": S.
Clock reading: {"hour": 12, "minute": 22}
